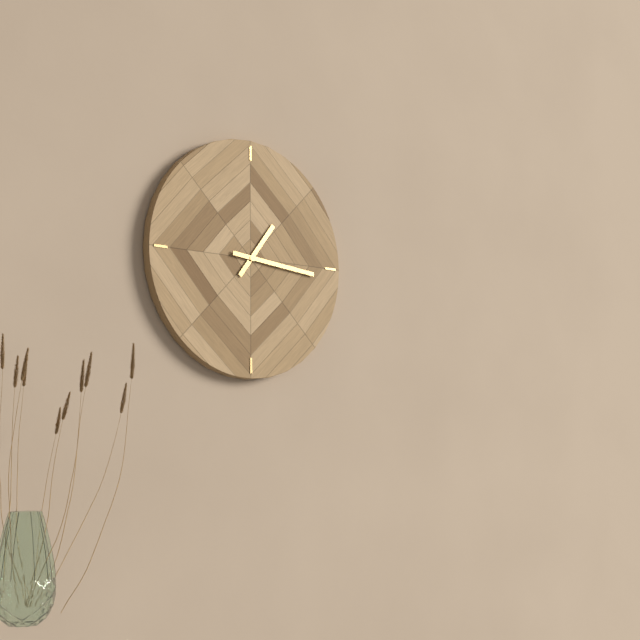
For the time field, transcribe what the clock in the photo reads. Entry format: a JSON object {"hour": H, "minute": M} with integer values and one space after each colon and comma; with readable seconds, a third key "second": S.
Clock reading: {"hour": 1, "minute": 16}
